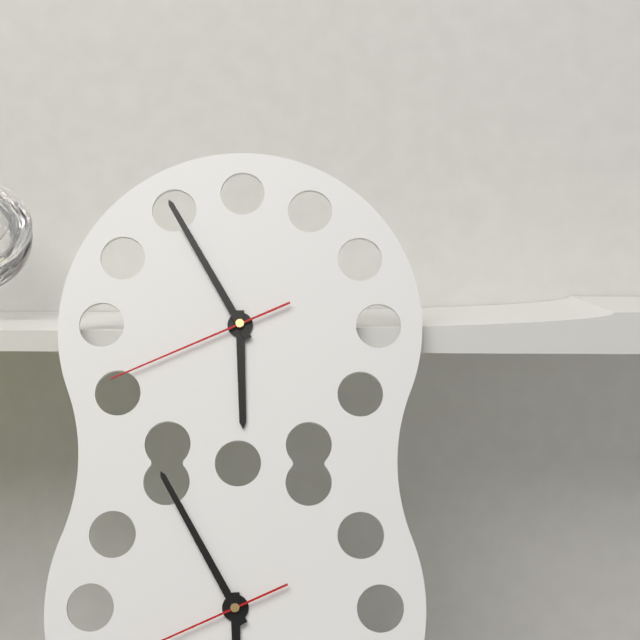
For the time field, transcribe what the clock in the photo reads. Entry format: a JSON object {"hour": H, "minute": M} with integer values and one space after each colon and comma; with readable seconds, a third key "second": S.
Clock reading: {"hour": 5, "minute": 55, "second": 41}
